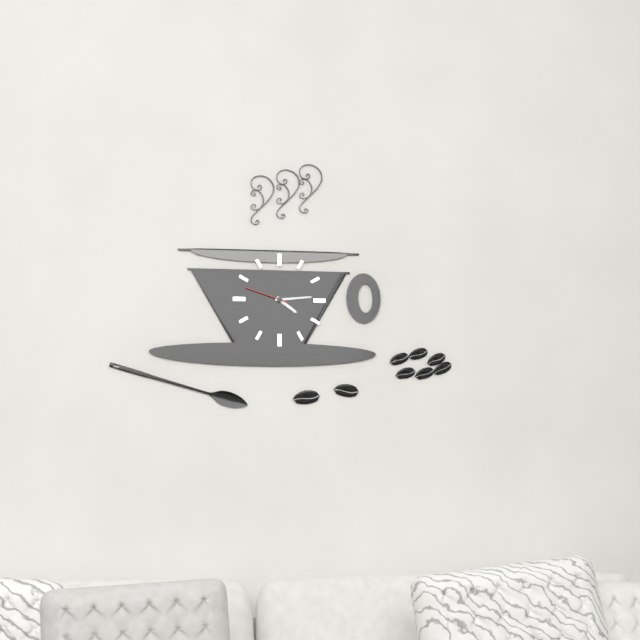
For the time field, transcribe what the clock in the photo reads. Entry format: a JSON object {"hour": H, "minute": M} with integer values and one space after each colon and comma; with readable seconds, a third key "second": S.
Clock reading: {"hour": 4, "minute": 14}
